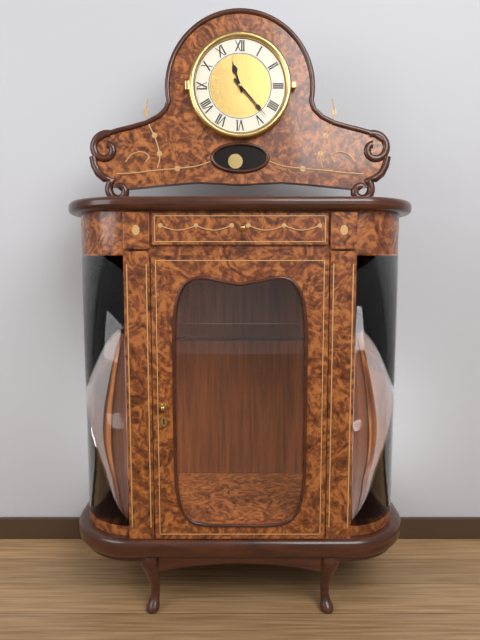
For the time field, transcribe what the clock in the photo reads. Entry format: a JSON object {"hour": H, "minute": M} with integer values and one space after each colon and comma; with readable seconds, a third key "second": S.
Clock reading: {"hour": 11, "minute": 23}
